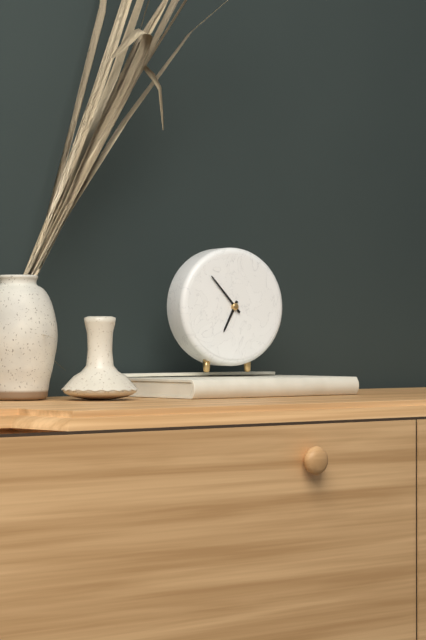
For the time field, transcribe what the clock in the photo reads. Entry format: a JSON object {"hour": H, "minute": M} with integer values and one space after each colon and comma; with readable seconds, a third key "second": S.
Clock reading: {"hour": 6, "minute": 53}
